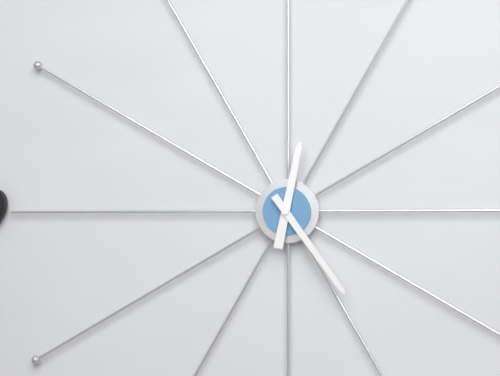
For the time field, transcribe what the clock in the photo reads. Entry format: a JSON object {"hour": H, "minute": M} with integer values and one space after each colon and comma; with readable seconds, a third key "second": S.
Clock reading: {"hour": 12, "minute": 24}
